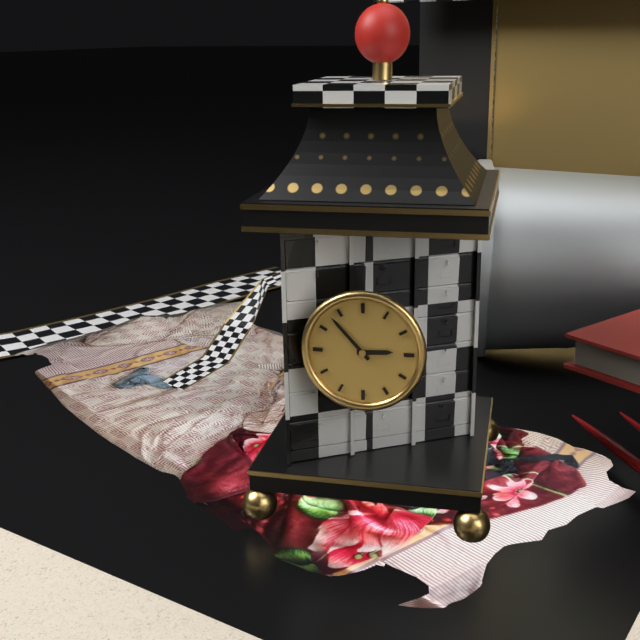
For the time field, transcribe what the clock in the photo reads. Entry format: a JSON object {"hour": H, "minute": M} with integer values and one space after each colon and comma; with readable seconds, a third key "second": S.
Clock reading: {"hour": 2, "minute": 53}
